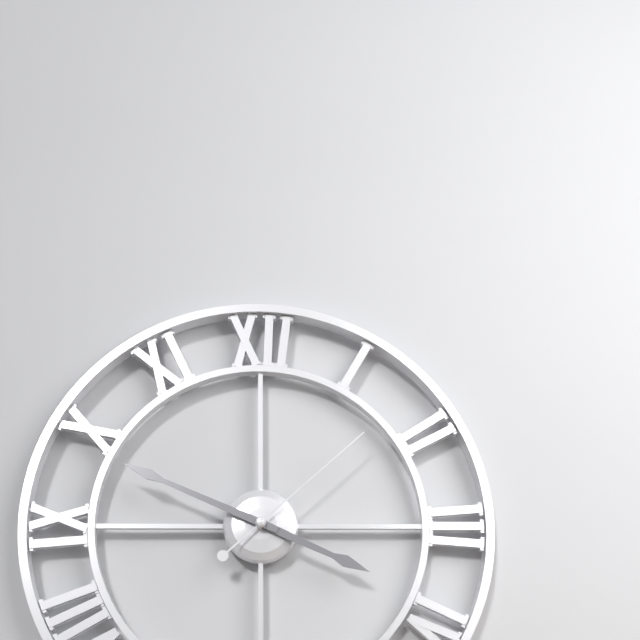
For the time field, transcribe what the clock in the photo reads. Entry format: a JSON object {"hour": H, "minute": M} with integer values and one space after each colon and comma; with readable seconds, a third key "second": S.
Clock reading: {"hour": 3, "minute": 49, "second": 8}
